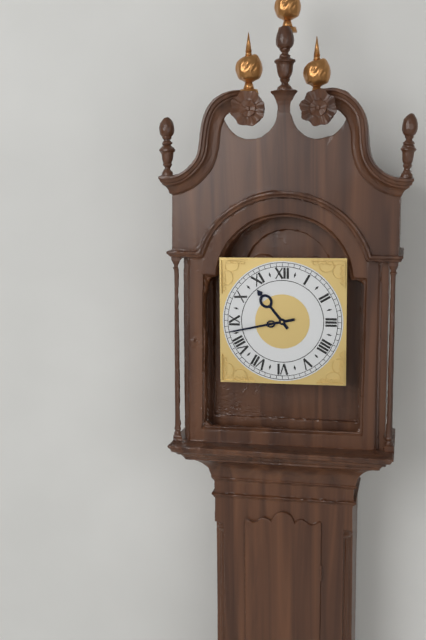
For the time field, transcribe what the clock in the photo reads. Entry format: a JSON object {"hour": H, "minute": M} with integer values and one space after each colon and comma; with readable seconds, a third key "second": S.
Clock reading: {"hour": 10, "minute": 43}
